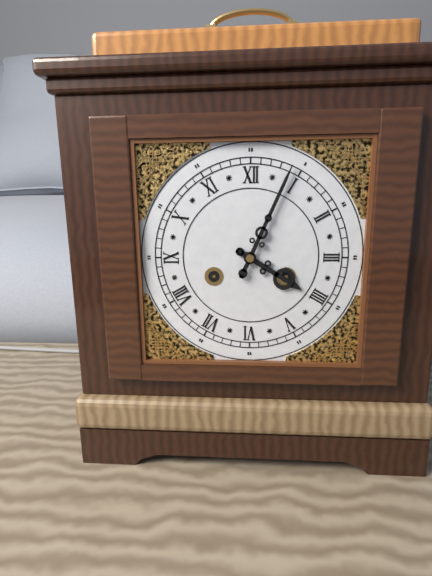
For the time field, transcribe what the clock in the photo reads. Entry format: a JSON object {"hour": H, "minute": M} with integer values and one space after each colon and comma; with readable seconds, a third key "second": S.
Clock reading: {"hour": 4, "minute": 4}
